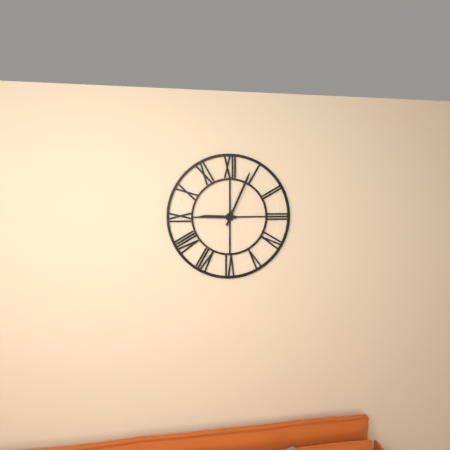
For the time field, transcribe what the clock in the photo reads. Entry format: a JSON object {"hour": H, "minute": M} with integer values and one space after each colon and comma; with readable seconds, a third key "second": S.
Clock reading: {"hour": 9, "minute": 4}
